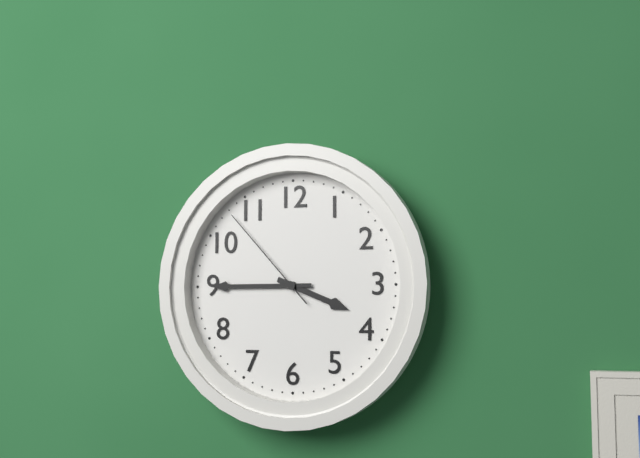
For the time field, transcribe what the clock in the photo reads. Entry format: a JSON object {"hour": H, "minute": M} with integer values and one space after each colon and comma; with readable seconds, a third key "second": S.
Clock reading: {"hour": 3, "minute": 45, "second": 53}
